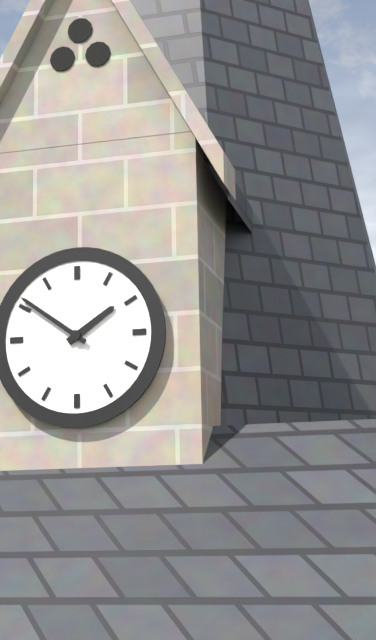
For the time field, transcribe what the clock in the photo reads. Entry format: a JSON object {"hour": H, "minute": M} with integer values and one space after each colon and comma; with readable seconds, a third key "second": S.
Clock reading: {"hour": 1, "minute": 51}
